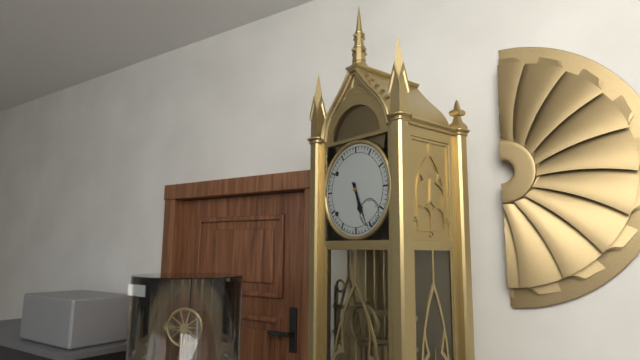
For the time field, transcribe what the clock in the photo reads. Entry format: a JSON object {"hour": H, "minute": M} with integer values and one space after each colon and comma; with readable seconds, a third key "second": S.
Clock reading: {"hour": 5, "minute": 26}
